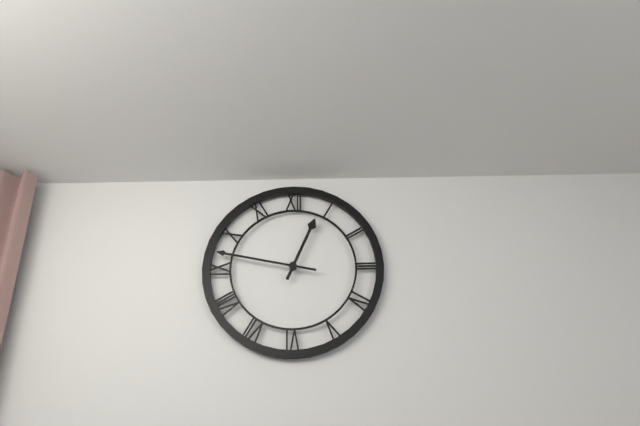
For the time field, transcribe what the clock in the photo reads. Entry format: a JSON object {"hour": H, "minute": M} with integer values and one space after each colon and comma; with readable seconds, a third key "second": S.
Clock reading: {"hour": 12, "minute": 47}
